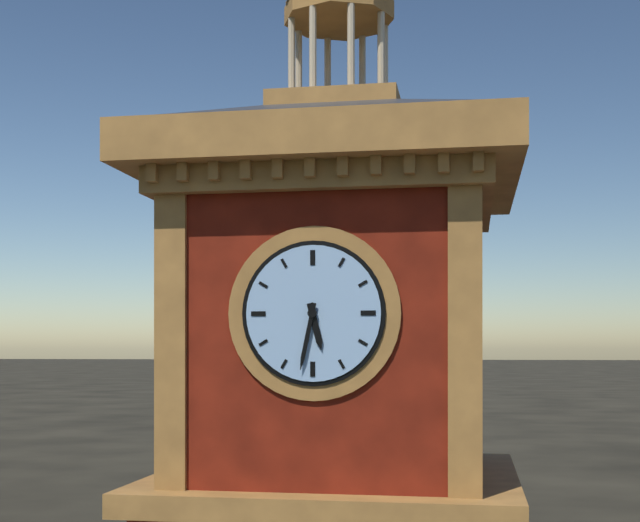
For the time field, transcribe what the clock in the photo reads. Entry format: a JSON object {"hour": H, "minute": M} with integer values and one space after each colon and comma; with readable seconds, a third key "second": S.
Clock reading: {"hour": 5, "minute": 32}
